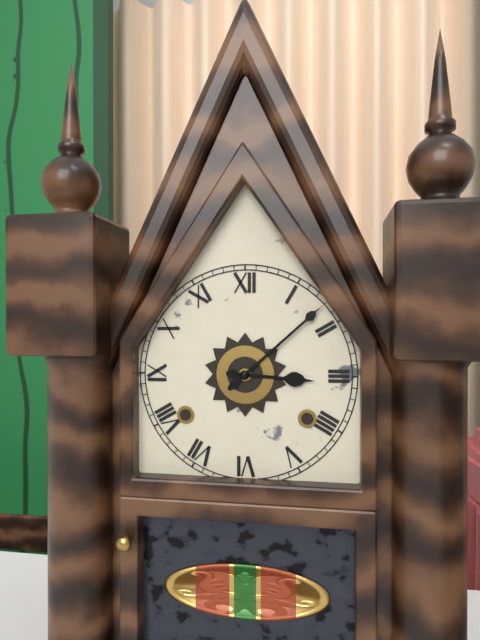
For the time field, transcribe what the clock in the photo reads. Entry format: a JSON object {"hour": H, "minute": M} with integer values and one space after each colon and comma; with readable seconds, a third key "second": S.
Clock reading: {"hour": 3, "minute": 8}
